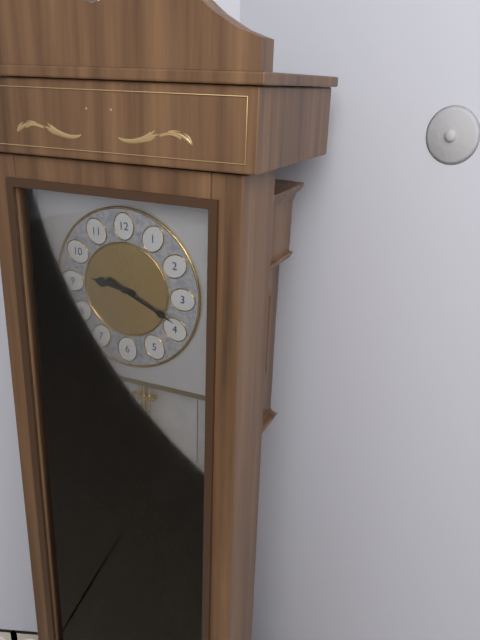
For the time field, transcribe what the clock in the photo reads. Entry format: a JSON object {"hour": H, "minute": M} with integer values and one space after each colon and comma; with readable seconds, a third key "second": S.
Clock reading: {"hour": 9, "minute": 19}
